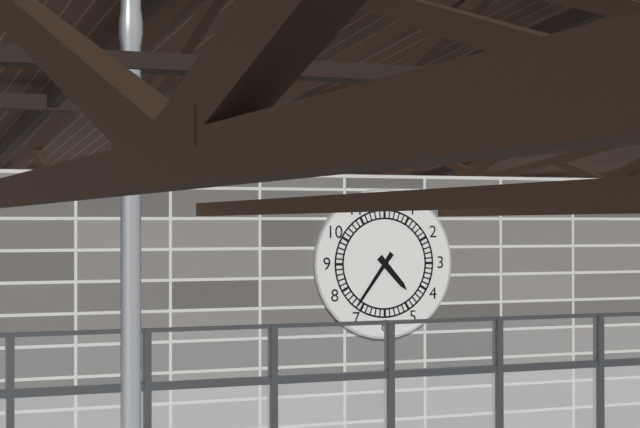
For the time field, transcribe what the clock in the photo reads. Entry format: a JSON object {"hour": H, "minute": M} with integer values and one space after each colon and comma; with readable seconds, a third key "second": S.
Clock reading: {"hour": 4, "minute": 36}
